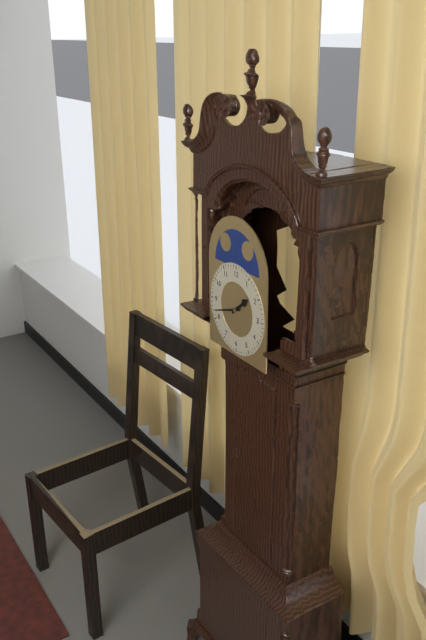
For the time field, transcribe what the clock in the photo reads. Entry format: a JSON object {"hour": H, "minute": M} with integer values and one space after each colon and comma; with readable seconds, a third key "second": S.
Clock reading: {"hour": 1, "minute": 42}
